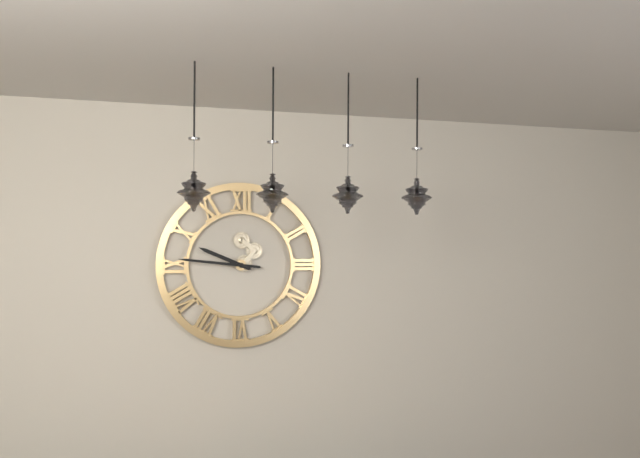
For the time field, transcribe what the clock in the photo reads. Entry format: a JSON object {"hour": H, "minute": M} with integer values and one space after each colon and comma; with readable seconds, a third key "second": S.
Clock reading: {"hour": 9, "minute": 46}
